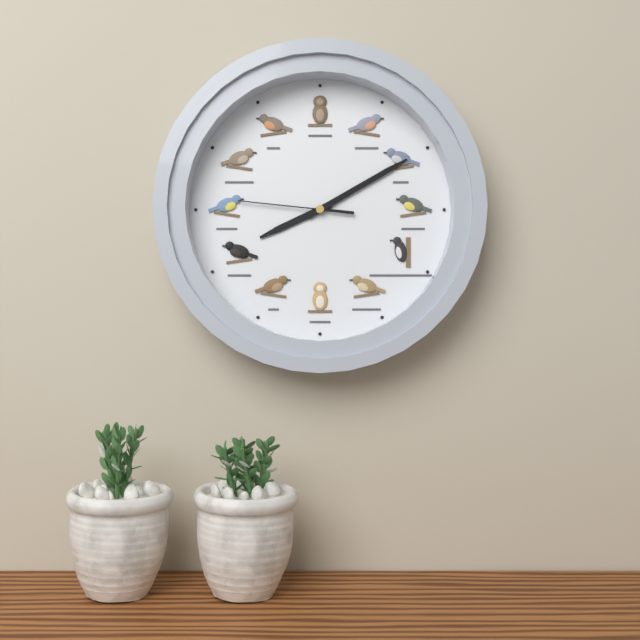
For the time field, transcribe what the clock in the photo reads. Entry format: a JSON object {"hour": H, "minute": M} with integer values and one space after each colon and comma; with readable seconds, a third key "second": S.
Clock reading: {"hour": 8, "minute": 10, "second": 46}
